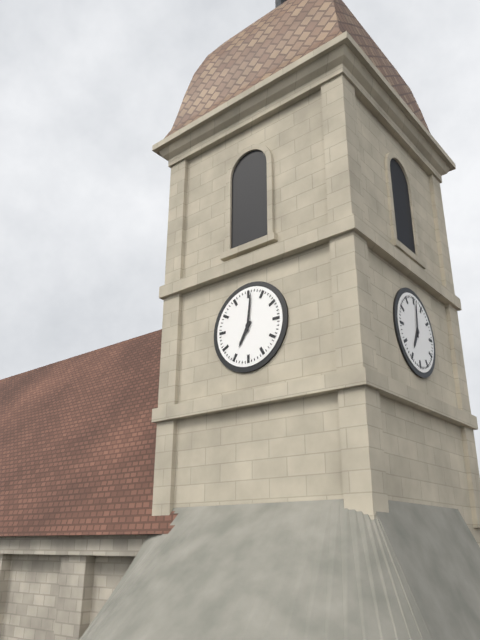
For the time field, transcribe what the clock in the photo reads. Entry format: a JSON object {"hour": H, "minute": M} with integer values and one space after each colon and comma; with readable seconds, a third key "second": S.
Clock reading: {"hour": 7, "minute": 1}
